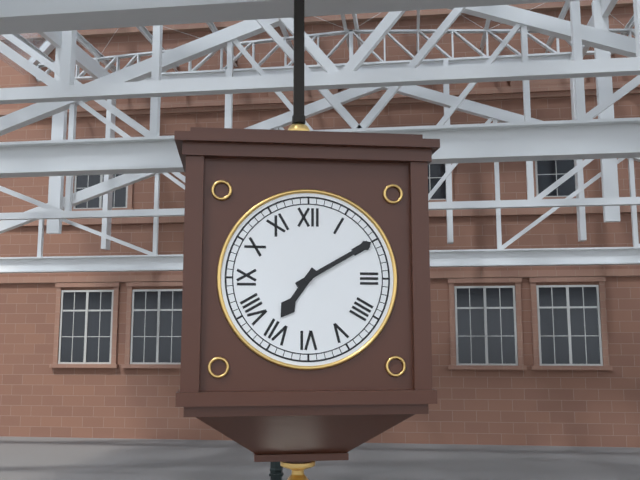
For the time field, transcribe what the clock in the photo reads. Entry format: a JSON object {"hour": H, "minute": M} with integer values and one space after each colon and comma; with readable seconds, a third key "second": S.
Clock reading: {"hour": 7, "minute": 10}
